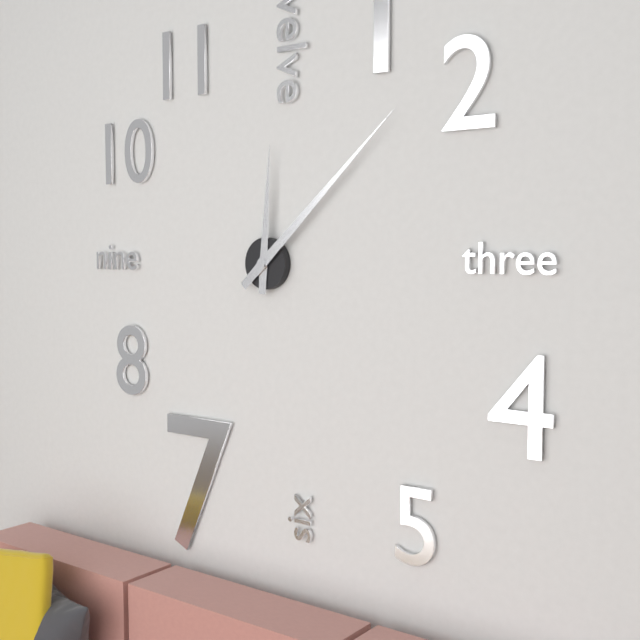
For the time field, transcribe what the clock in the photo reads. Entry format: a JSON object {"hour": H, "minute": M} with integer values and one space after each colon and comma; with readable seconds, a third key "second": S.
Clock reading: {"hour": 12, "minute": 8}
